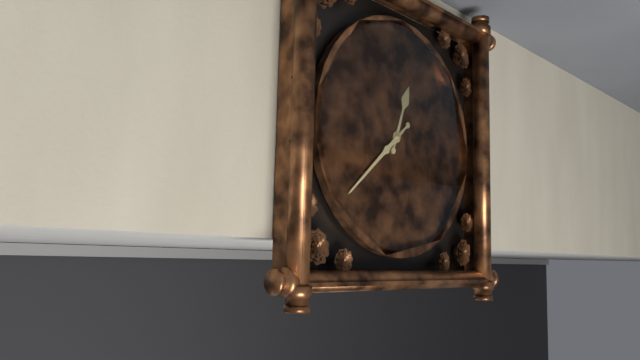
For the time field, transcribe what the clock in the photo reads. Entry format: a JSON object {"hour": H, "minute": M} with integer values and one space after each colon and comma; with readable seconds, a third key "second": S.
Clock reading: {"hour": 12, "minute": 38}
